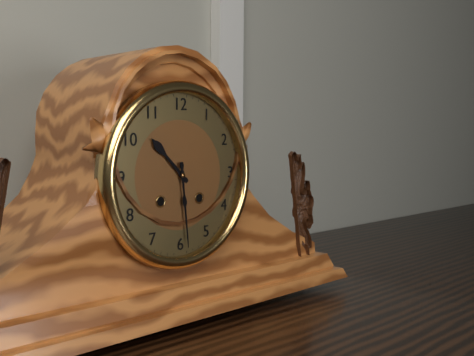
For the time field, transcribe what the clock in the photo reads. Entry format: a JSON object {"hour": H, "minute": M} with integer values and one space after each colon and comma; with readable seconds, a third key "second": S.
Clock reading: {"hour": 10, "minute": 29}
